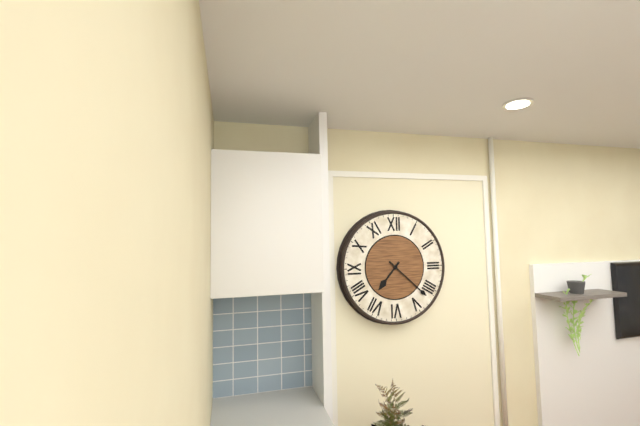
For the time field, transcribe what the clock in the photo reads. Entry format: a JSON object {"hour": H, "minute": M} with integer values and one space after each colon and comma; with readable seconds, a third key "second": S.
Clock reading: {"hour": 7, "minute": 22}
